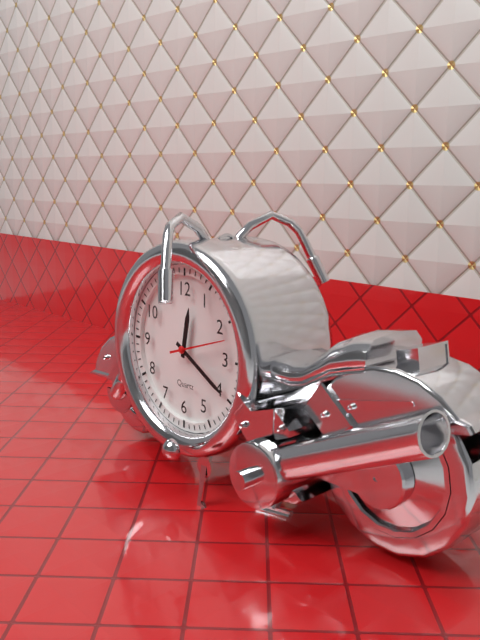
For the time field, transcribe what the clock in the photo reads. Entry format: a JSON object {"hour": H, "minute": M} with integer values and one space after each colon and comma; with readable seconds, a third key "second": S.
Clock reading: {"hour": 12, "minute": 20, "second": 12}
